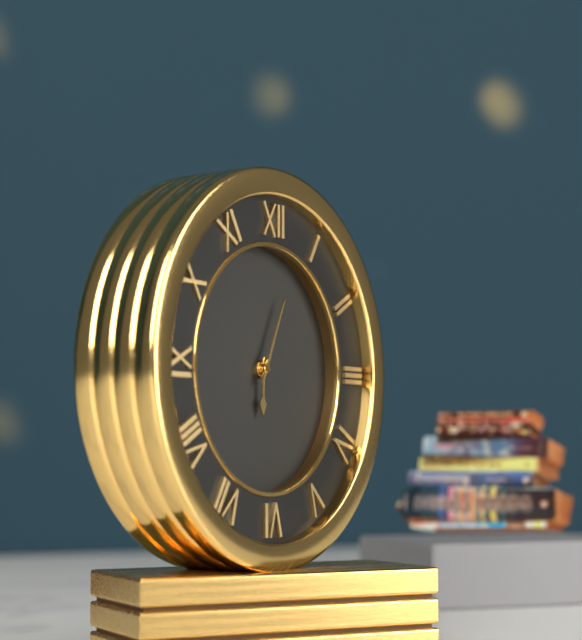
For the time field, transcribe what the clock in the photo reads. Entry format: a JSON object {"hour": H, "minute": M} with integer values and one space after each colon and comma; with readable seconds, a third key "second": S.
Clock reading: {"hour": 6, "minute": 4}
